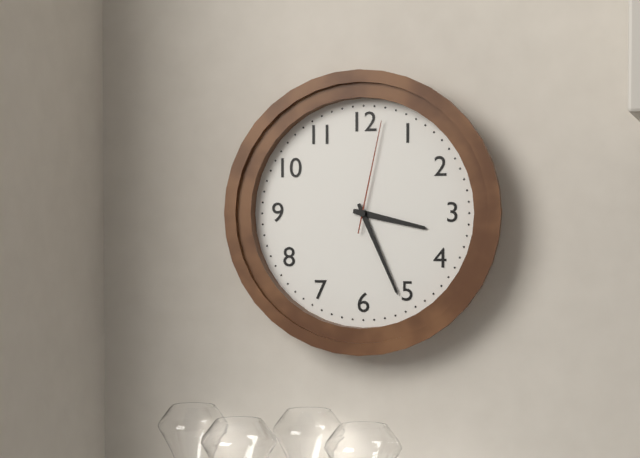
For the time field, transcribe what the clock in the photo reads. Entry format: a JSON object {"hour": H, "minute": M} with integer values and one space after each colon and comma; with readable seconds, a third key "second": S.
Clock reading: {"hour": 3, "minute": 26, "second": 2}
